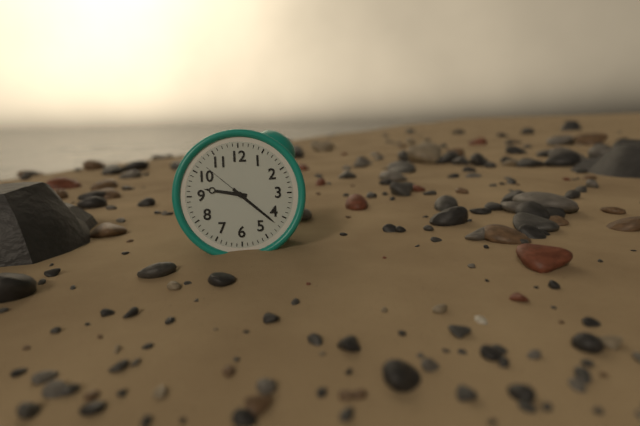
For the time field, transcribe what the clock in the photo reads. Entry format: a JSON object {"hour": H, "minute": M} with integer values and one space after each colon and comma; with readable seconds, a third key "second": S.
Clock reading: {"hour": 9, "minute": 22, "second": 52}
